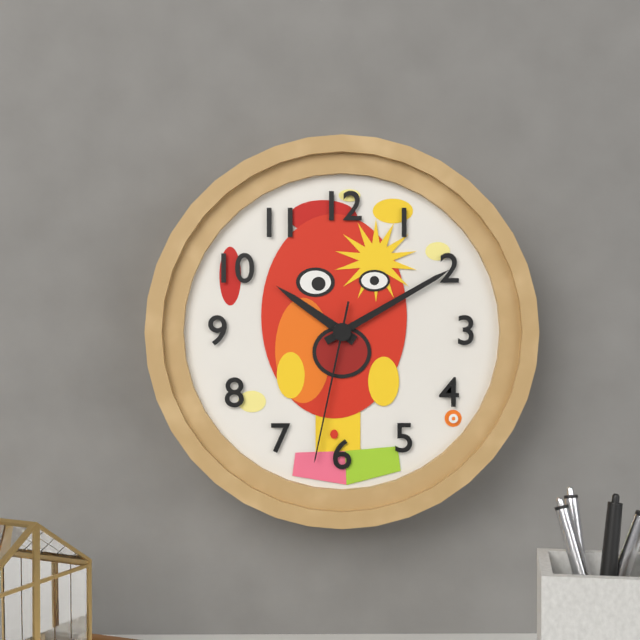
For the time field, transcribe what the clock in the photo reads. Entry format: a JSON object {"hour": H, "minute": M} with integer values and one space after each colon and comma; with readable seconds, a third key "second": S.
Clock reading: {"hour": 10, "minute": 10, "second": 32}
